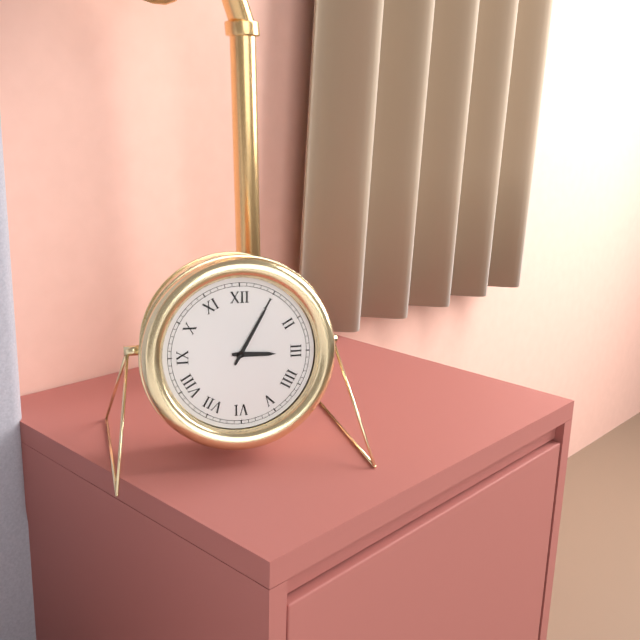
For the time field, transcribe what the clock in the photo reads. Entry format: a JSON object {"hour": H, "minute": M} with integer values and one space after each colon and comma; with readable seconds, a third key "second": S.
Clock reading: {"hour": 3, "minute": 5}
